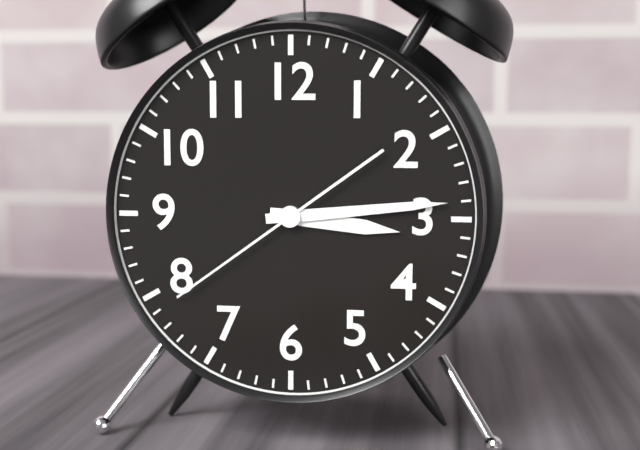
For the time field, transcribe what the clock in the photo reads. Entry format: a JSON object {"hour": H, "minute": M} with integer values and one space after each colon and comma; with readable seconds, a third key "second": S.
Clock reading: {"hour": 3, "minute": 14, "second": 39}
